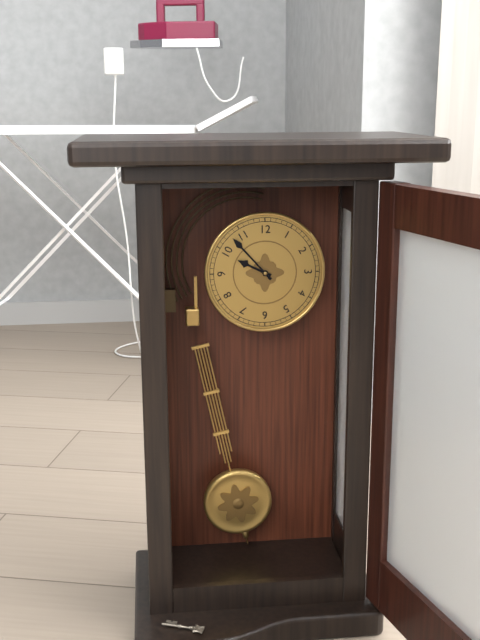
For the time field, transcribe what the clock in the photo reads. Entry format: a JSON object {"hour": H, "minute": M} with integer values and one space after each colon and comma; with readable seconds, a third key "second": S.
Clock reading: {"hour": 9, "minute": 53}
